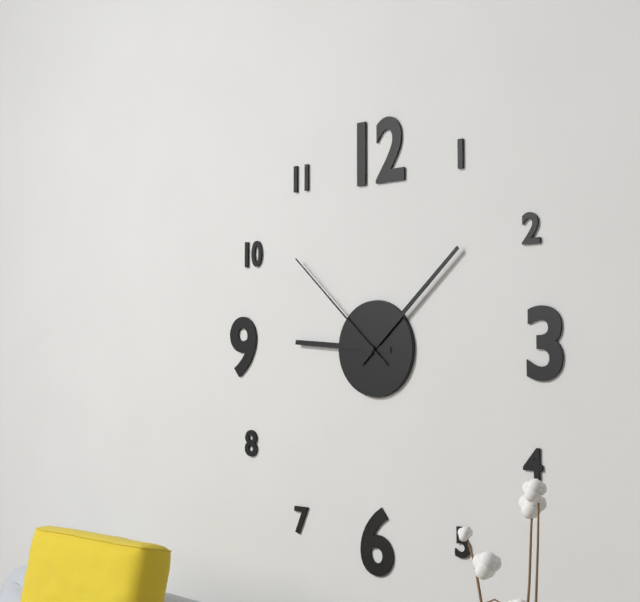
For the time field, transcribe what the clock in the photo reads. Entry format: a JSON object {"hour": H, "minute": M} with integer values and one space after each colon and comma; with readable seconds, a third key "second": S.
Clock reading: {"hour": 9, "minute": 8, "second": 52}
